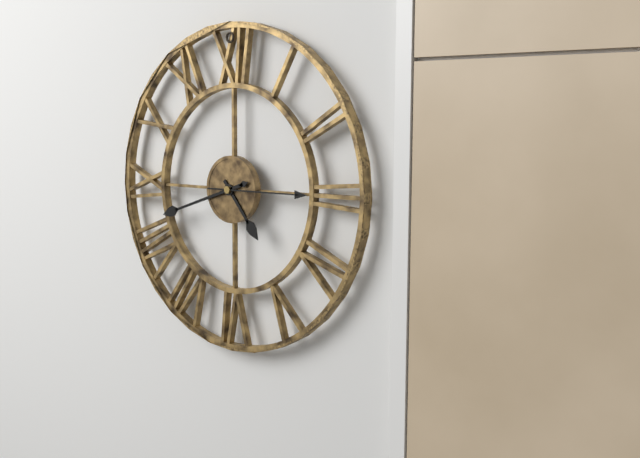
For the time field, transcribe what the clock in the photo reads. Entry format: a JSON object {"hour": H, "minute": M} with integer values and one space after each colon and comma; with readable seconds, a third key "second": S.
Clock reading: {"hour": 4, "minute": 42, "second": 15}
